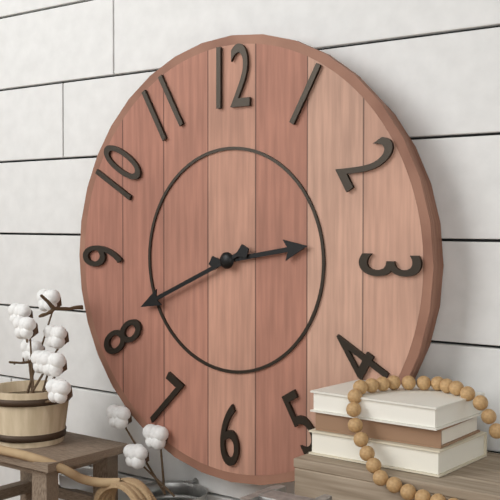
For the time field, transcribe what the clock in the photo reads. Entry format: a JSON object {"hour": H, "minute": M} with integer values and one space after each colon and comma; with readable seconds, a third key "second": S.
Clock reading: {"hour": 2, "minute": 41}
